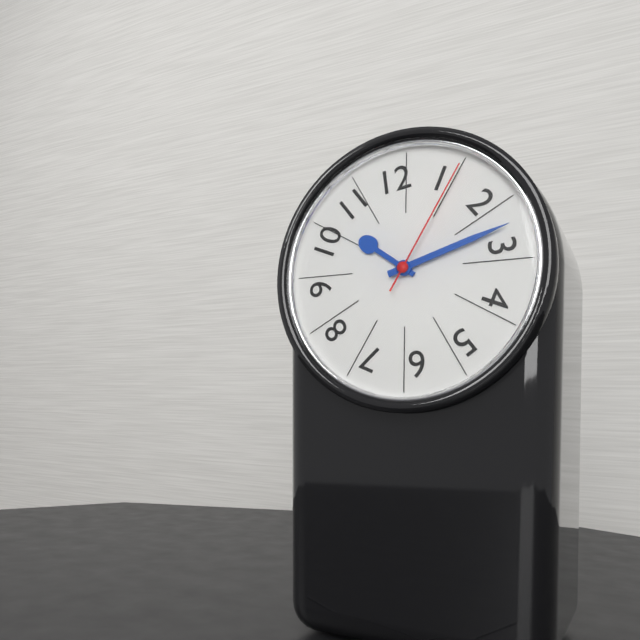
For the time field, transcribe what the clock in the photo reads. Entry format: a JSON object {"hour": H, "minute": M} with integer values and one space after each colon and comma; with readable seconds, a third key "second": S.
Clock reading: {"hour": 10, "minute": 12, "second": 5}
